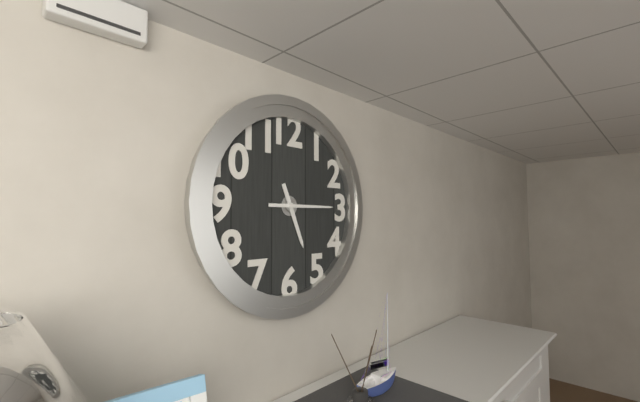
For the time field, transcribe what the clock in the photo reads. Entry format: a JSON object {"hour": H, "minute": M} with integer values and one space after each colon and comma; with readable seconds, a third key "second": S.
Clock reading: {"hour": 5, "minute": 15}
